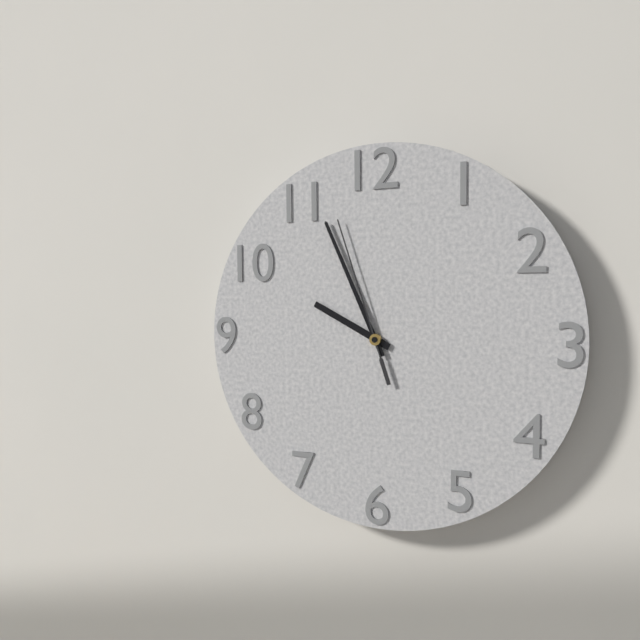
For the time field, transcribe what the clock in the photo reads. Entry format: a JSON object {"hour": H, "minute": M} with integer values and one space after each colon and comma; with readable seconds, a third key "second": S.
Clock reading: {"hour": 9, "minute": 56, "second": 57}
